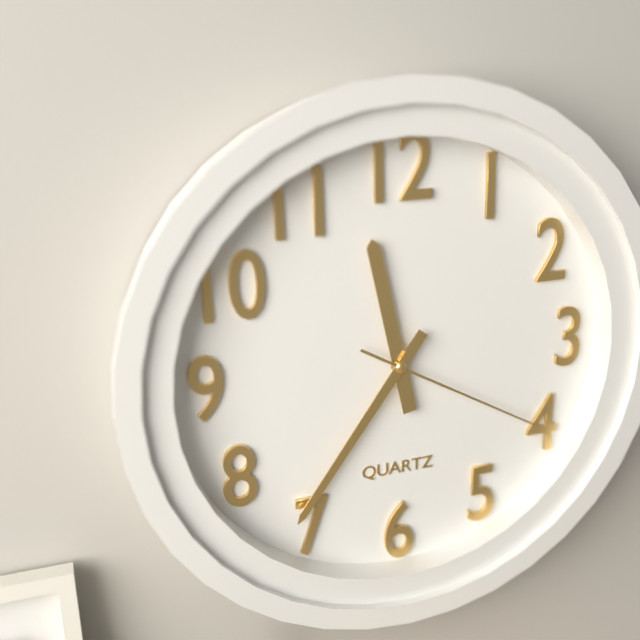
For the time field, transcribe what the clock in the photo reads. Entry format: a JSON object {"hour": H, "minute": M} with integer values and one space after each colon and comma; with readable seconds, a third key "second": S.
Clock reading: {"hour": 11, "minute": 36, "second": 20}
